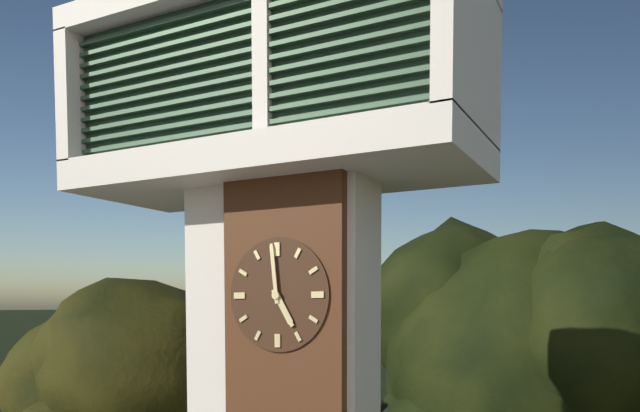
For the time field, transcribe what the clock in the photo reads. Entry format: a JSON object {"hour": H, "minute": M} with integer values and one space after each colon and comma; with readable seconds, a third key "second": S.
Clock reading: {"hour": 4, "minute": 59}
